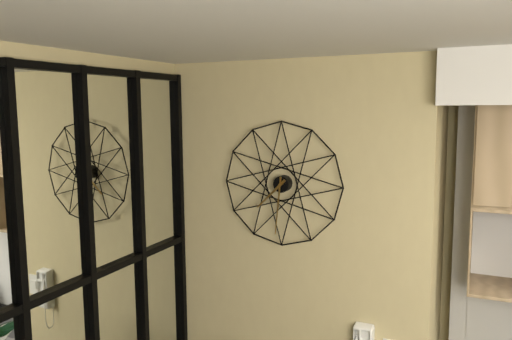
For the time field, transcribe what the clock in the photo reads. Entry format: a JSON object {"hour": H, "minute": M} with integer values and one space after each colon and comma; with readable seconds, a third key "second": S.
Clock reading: {"hour": 7, "minute": 31}
